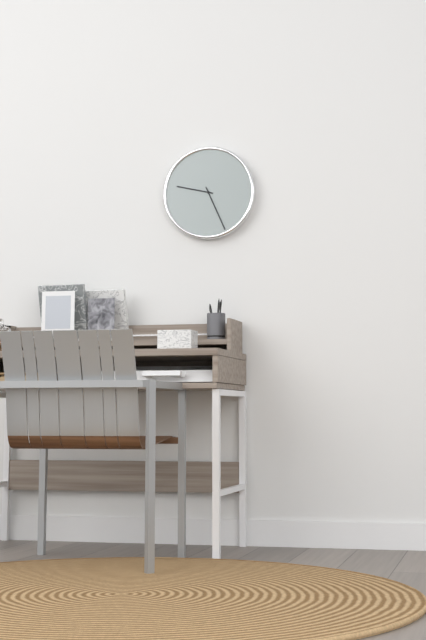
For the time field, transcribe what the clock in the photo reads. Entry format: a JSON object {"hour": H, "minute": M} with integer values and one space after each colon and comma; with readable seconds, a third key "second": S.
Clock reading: {"hour": 9, "minute": 26}
